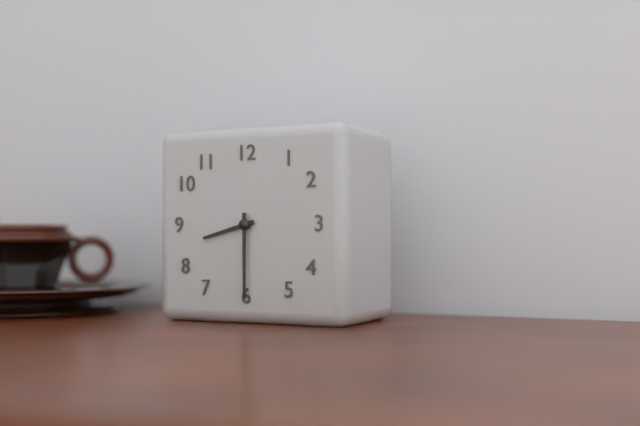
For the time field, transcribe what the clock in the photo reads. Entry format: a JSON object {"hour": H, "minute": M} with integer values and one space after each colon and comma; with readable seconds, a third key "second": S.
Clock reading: {"hour": 8, "minute": 30}
